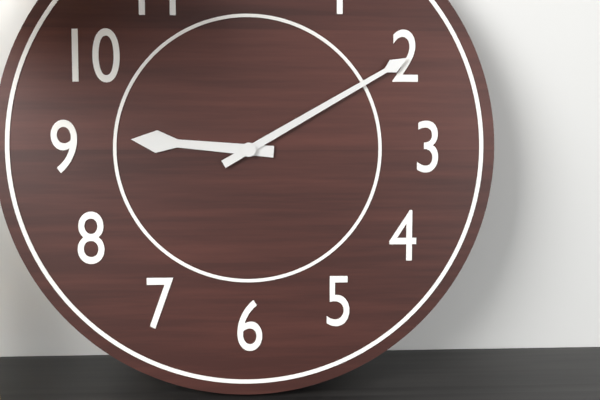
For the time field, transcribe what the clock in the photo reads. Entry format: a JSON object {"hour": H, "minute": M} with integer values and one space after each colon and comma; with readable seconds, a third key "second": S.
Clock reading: {"hour": 9, "minute": 10}
